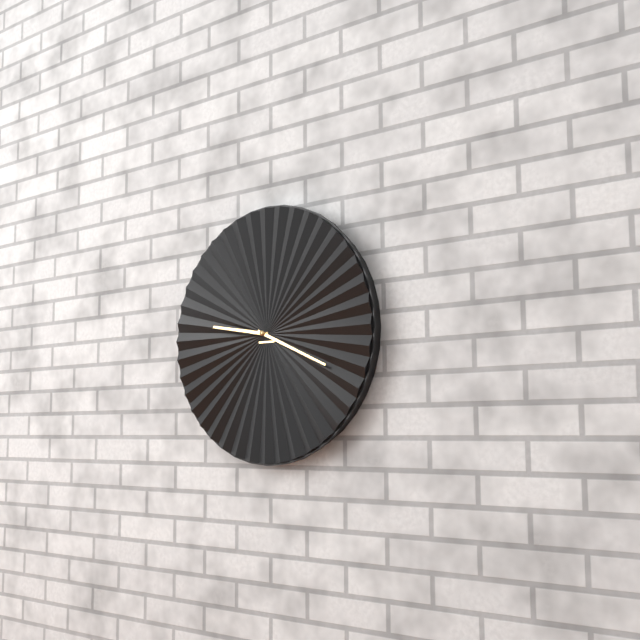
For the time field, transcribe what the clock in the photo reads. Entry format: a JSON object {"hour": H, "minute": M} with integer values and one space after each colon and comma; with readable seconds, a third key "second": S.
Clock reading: {"hour": 9, "minute": 19}
